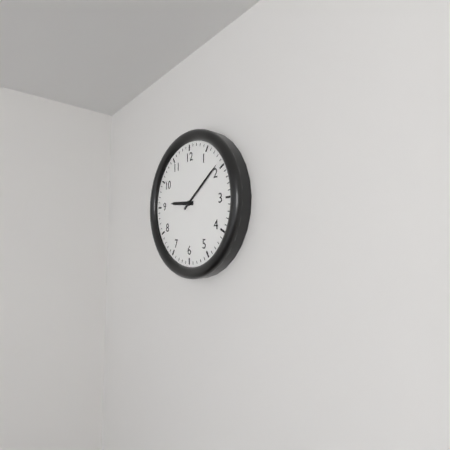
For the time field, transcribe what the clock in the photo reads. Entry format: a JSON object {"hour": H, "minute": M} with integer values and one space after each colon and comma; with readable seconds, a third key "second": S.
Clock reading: {"hour": 9, "minute": 9}
